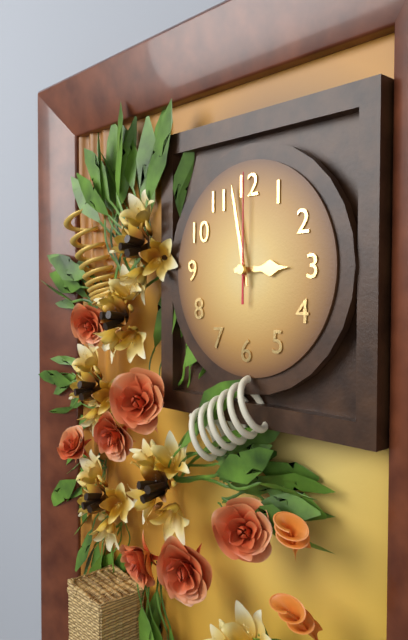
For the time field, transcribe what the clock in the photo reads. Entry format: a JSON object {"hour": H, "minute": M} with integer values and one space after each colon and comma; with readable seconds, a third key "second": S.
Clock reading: {"hour": 2, "minute": 58, "second": 0}
